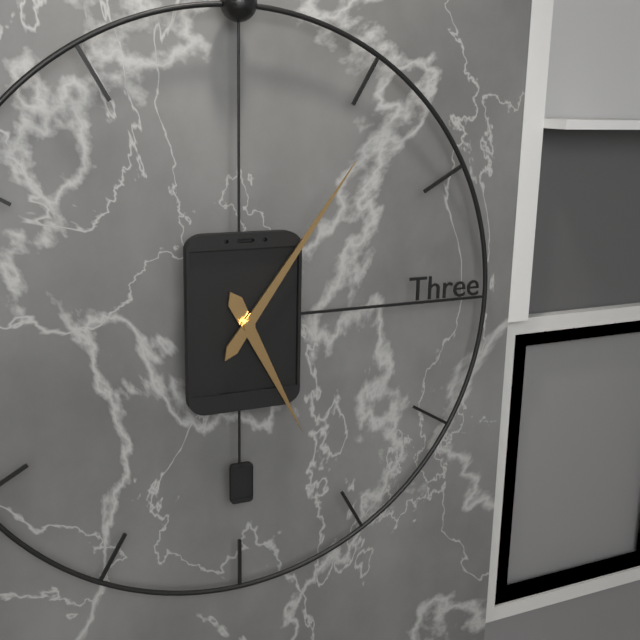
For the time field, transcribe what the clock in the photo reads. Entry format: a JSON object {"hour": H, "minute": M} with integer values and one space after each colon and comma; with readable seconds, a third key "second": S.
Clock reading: {"hour": 5, "minute": 6}
